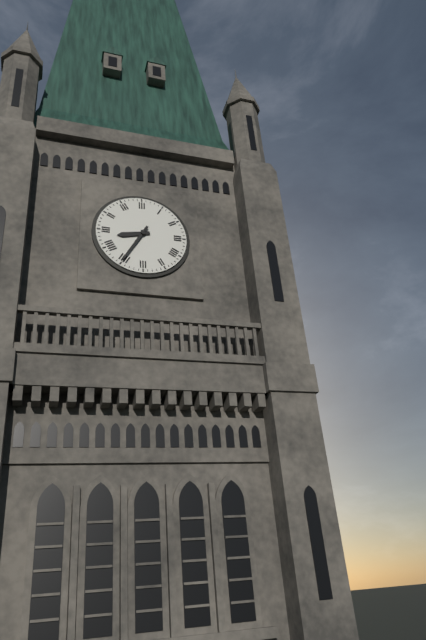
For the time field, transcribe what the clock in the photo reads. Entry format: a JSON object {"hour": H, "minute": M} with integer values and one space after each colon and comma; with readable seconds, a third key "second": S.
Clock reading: {"hour": 8, "minute": 35}
